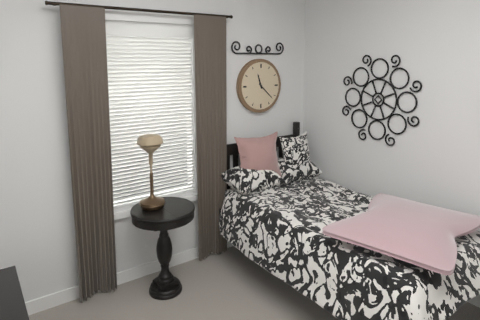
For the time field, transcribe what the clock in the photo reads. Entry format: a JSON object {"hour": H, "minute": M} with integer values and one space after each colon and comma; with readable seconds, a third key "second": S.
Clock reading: {"hour": 11, "minute": 22}
